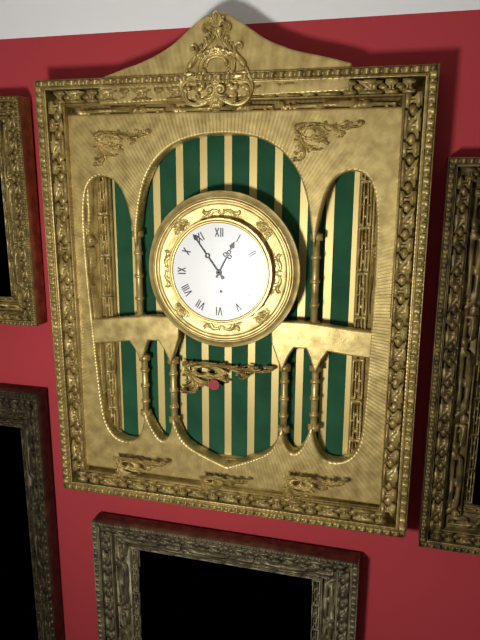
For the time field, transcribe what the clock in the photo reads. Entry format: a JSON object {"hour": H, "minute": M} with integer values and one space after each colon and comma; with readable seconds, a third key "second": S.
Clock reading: {"hour": 12, "minute": 54}
